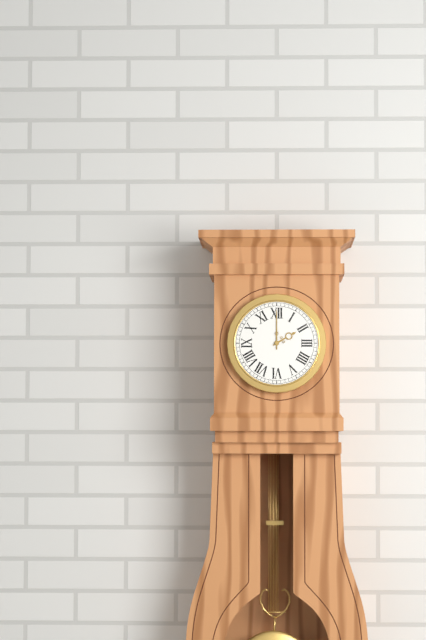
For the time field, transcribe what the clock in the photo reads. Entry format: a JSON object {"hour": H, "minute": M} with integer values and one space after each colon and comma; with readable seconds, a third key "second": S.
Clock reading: {"hour": 2, "minute": 0}
